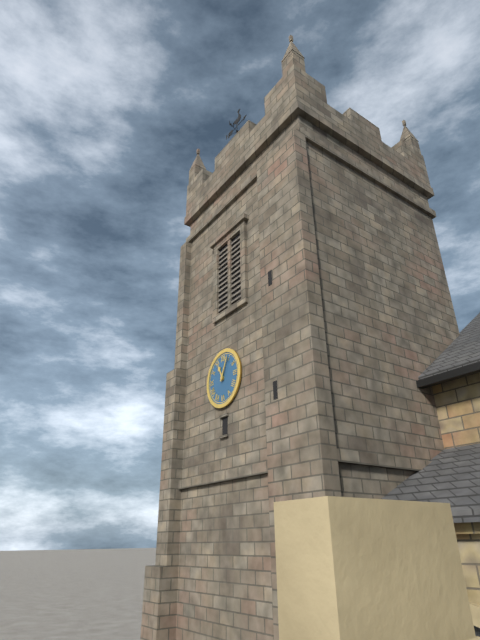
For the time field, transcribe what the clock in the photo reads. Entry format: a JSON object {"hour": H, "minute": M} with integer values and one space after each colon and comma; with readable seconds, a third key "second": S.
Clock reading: {"hour": 11, "minute": 4}
